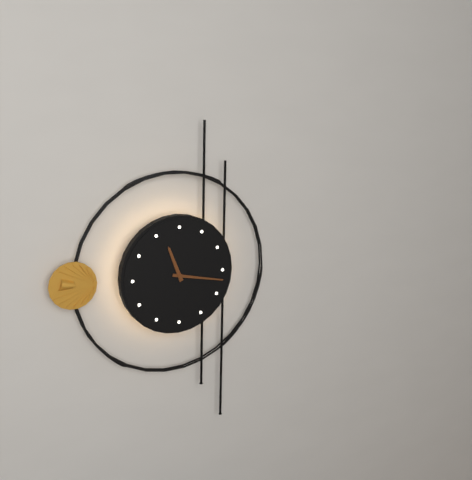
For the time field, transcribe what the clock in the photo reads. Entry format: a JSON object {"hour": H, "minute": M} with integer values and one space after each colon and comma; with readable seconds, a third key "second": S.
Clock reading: {"hour": 11, "minute": 17}
